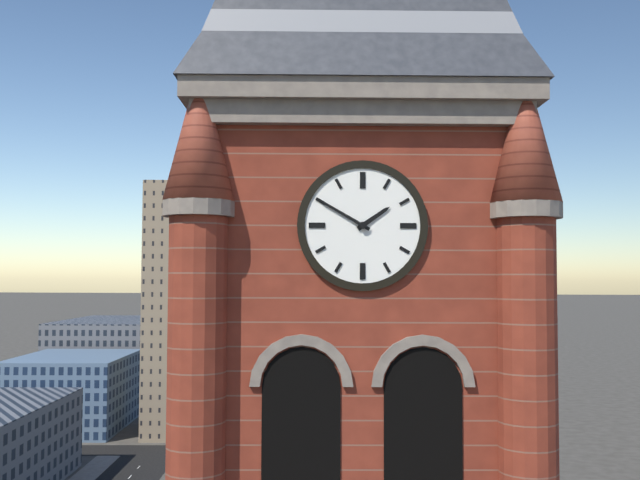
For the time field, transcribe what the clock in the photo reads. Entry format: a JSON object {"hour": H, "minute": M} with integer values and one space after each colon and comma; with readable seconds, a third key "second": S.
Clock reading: {"hour": 1, "minute": 50}
